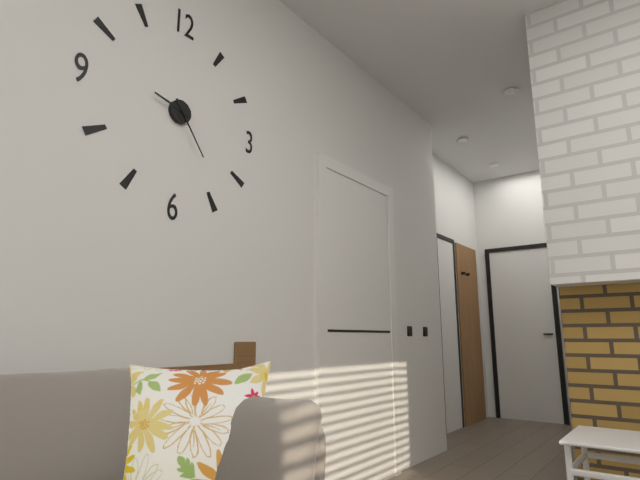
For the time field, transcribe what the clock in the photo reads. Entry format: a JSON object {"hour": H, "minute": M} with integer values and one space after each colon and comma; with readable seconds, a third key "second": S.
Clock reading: {"hour": 9, "minute": 24}
